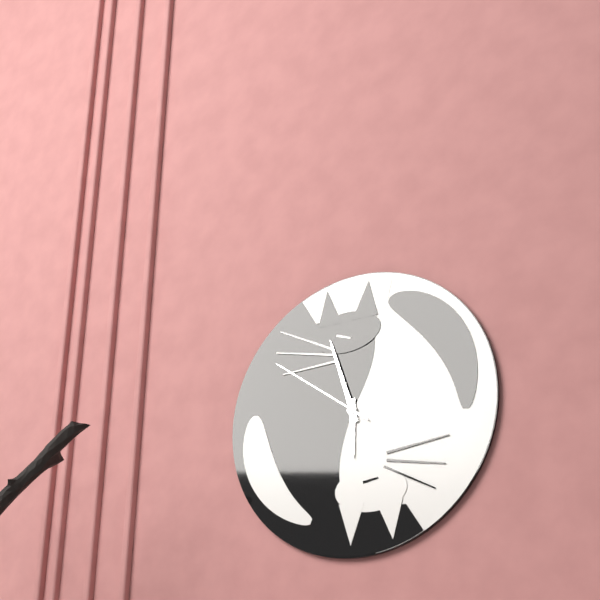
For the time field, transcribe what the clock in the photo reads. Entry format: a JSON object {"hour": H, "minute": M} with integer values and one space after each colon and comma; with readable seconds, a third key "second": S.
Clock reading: {"hour": 5, "minute": 57, "second": 51}
